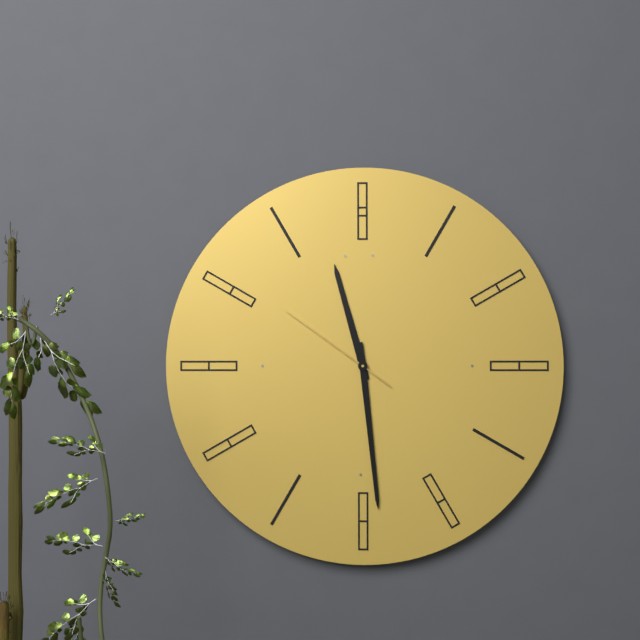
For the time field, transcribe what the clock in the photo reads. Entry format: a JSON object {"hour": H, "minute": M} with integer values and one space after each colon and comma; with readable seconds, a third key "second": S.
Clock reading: {"hour": 11, "minute": 29, "second": 51}
